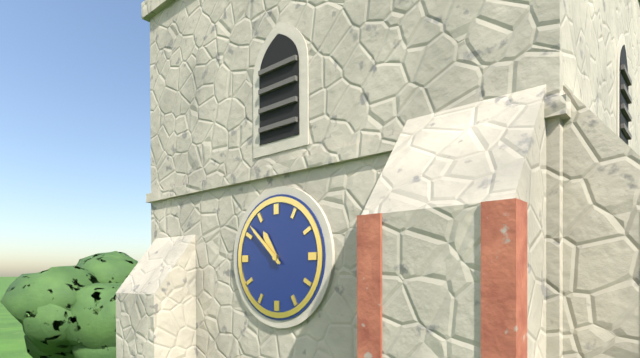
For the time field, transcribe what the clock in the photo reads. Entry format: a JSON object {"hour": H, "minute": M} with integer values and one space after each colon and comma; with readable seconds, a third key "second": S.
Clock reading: {"hour": 10, "minute": 52}
